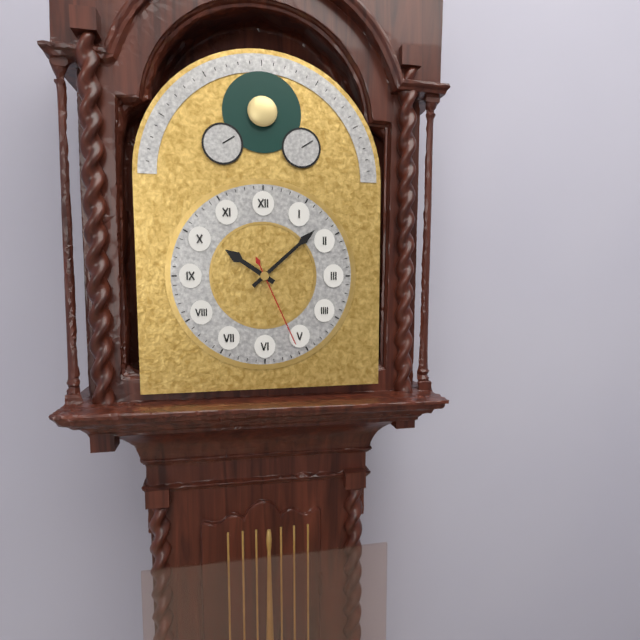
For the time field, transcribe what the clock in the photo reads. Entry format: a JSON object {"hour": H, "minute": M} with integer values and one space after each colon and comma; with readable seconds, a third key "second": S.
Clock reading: {"hour": 10, "minute": 8, "second": 26}
